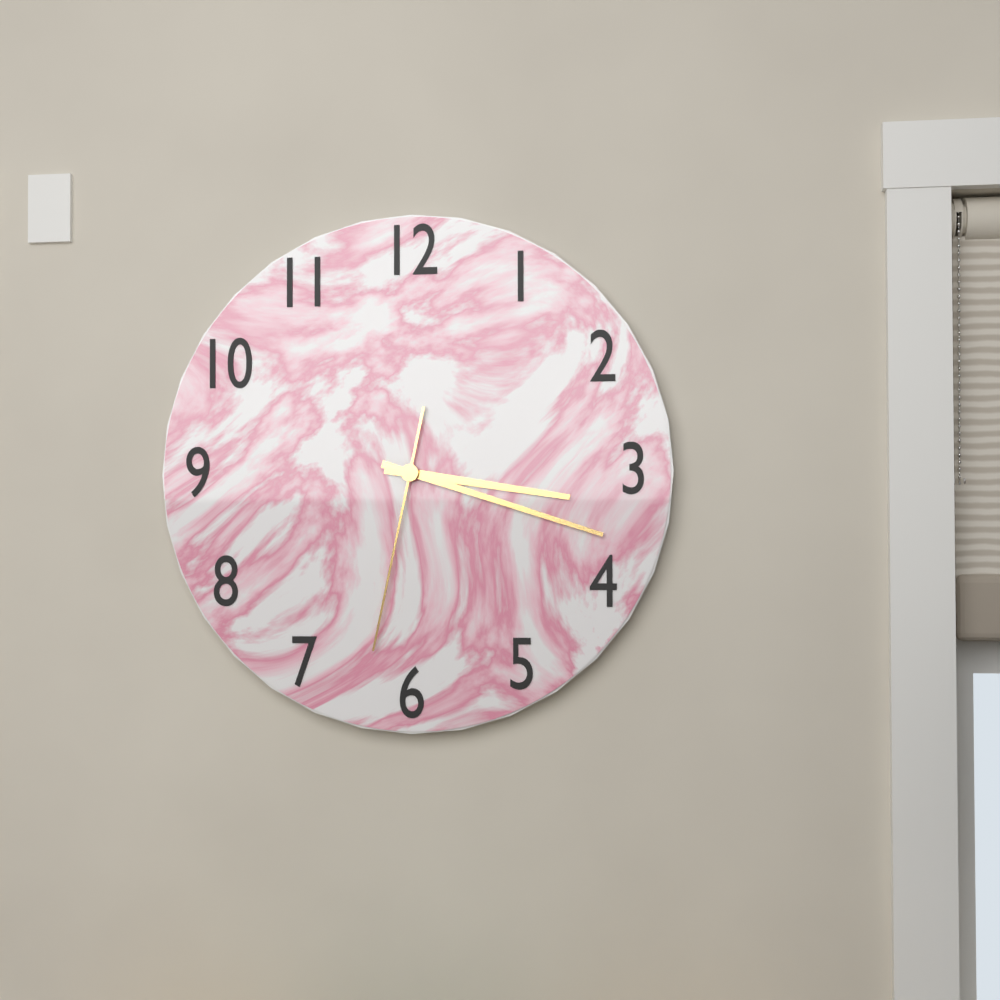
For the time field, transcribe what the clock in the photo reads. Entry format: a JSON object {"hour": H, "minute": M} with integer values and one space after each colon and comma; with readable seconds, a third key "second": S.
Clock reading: {"hour": 3, "minute": 18, "second": 32}
